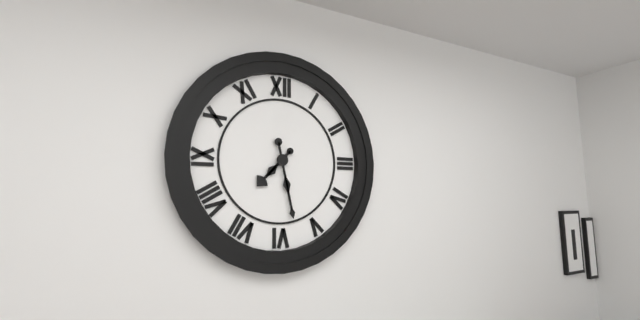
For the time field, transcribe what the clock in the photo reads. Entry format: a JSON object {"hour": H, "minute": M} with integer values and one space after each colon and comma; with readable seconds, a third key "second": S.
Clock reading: {"hour": 7, "minute": 28}
